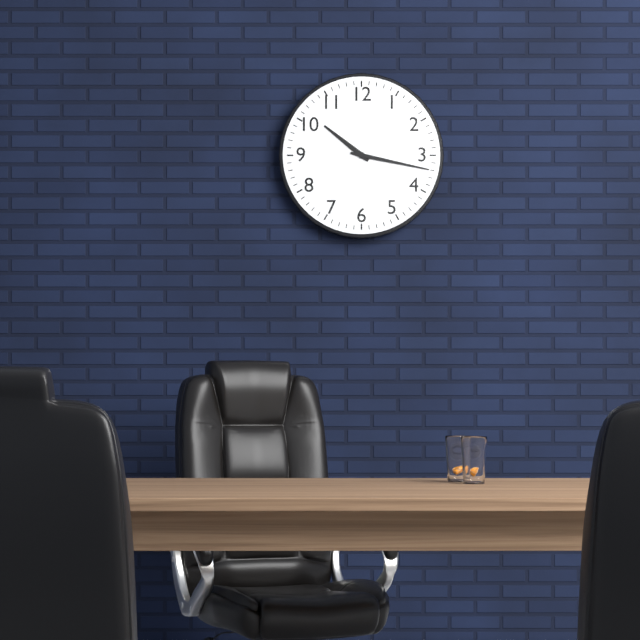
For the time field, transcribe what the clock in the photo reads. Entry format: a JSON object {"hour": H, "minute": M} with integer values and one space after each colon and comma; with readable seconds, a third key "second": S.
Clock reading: {"hour": 10, "minute": 17}
